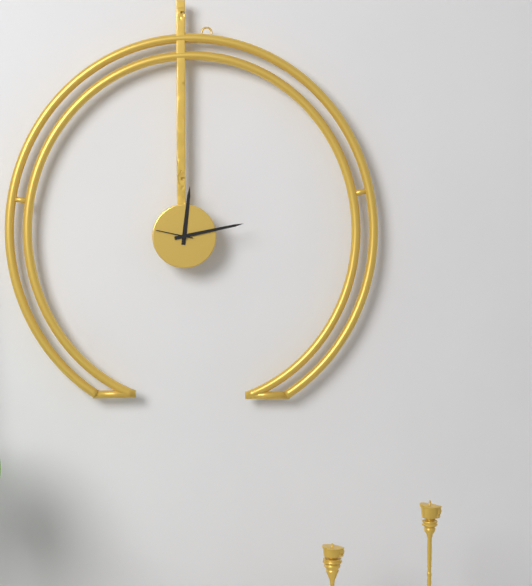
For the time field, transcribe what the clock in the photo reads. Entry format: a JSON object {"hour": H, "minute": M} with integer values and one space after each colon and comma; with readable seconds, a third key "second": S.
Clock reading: {"hour": 12, "minute": 13}
